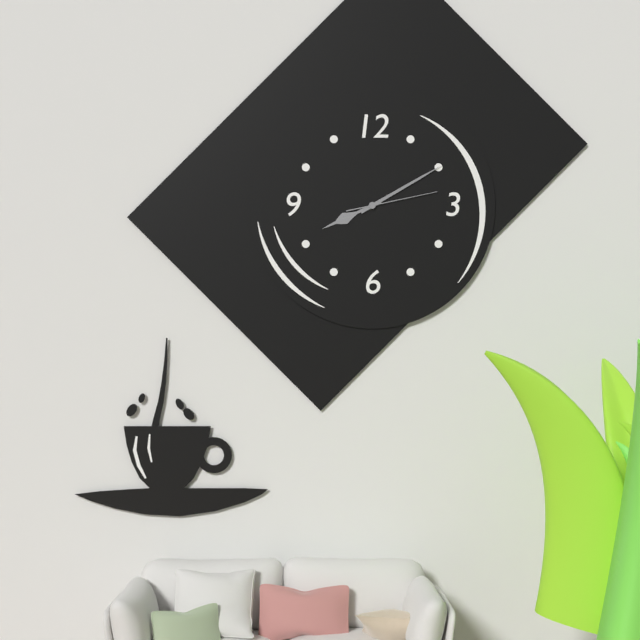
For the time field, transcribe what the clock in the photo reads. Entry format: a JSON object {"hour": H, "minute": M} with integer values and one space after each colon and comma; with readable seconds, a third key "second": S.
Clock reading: {"hour": 8, "minute": 10, "second": 13}
